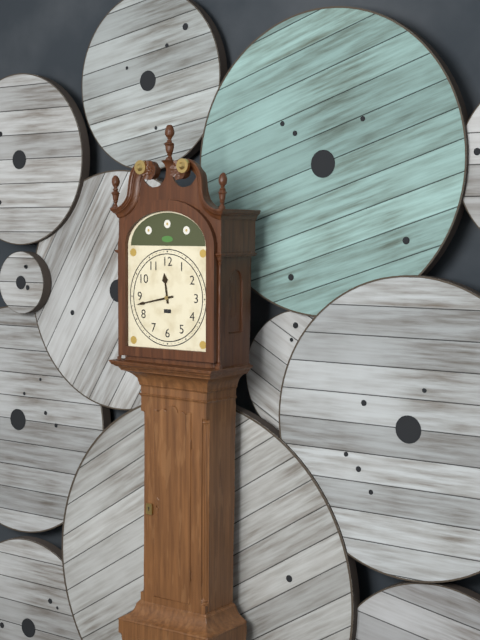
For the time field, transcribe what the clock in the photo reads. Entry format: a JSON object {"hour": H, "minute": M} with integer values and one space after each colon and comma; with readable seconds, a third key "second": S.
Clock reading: {"hour": 11, "minute": 43}
